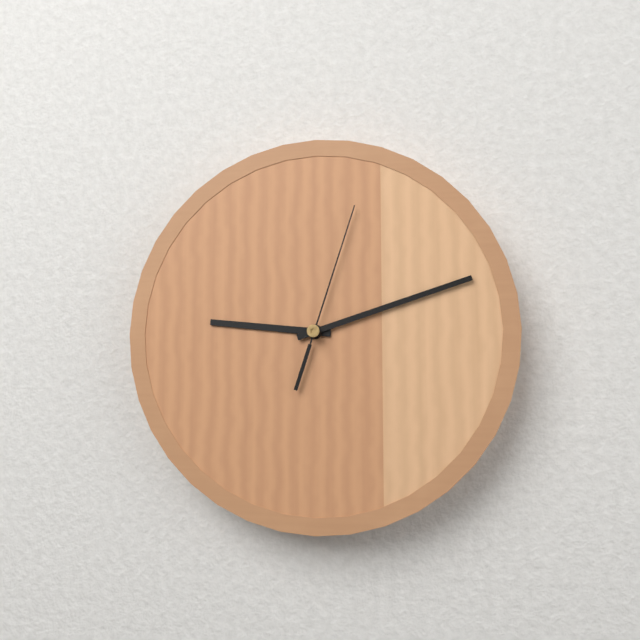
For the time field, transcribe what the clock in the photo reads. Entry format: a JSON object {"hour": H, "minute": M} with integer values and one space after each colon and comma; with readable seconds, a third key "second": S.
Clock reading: {"hour": 9, "minute": 12, "second": 3}
